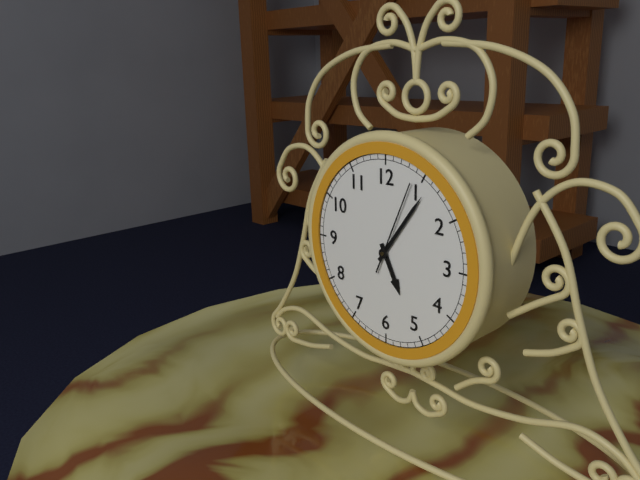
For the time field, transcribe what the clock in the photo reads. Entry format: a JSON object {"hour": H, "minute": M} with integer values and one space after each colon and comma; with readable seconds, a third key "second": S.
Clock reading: {"hour": 5, "minute": 6, "second": 4}
